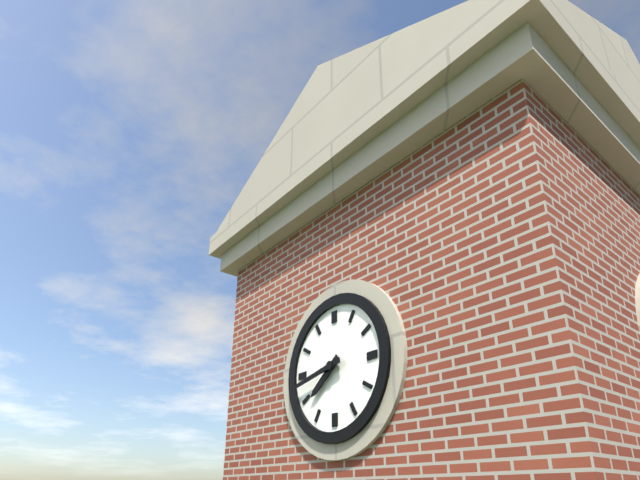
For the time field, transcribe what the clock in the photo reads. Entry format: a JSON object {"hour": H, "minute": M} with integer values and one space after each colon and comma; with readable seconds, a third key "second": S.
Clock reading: {"hour": 7, "minute": 43}
